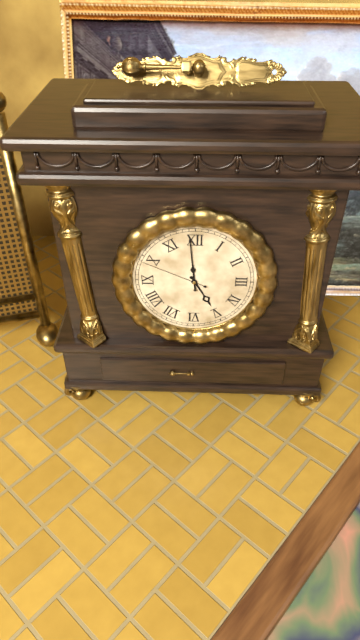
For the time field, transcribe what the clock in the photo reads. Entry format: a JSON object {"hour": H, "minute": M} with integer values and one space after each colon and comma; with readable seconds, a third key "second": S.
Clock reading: {"hour": 4, "minute": 59, "second": 49}
